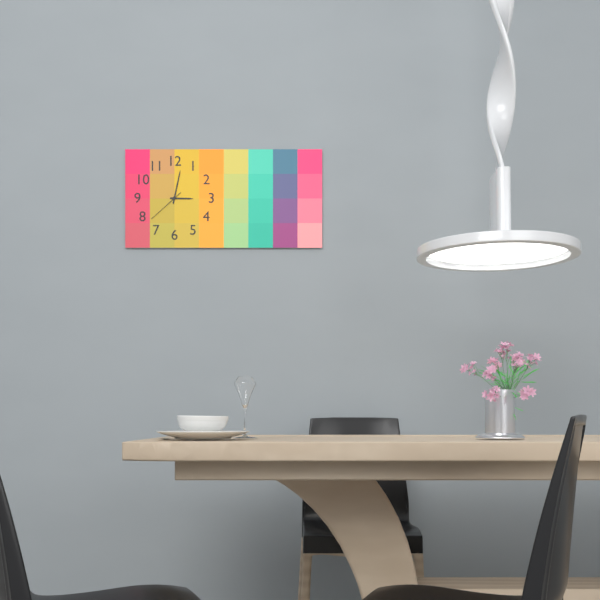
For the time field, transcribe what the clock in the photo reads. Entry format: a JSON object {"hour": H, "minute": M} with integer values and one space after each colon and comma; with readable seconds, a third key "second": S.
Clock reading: {"hour": 3, "minute": 2}
